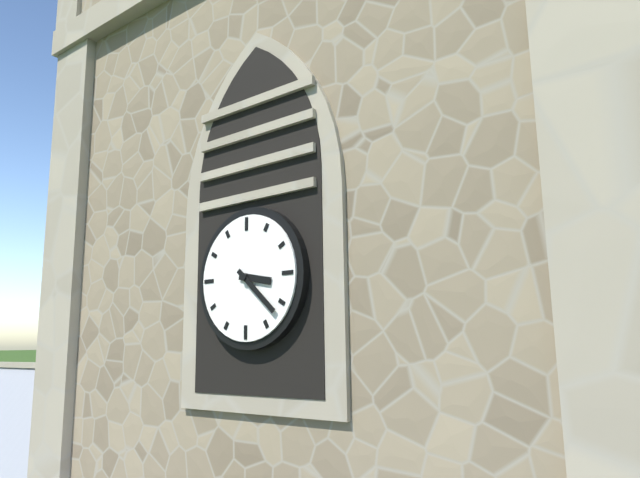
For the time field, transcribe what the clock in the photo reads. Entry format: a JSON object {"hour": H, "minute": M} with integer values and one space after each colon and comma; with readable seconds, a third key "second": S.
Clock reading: {"hour": 3, "minute": 22}
